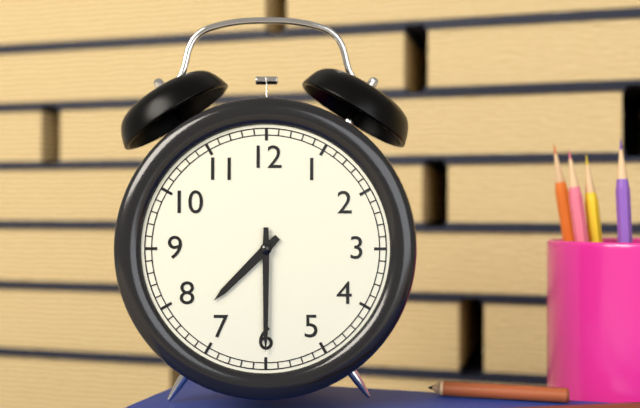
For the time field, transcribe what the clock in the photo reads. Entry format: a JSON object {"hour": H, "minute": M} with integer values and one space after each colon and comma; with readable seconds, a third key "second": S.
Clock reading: {"hour": 7, "minute": 30}
